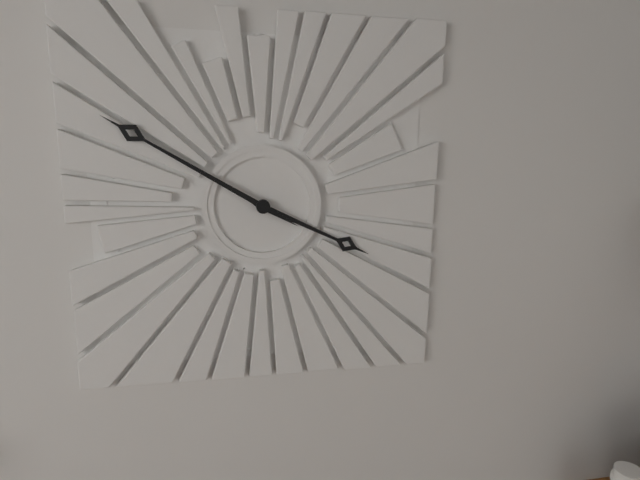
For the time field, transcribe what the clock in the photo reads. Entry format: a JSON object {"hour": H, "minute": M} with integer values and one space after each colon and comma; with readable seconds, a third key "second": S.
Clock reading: {"hour": 3, "minute": 50}
